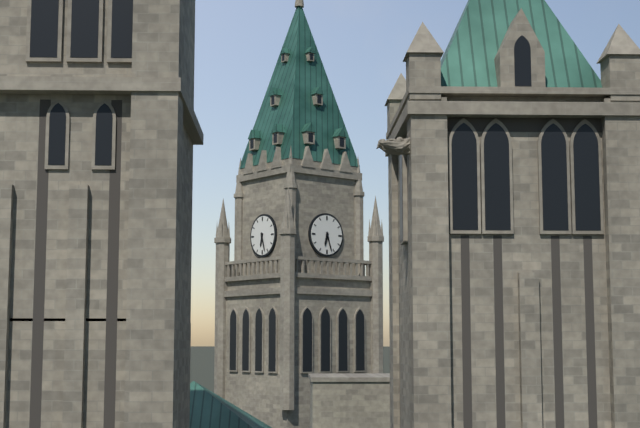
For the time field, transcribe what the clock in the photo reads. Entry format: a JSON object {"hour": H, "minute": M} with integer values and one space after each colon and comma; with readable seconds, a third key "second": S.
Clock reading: {"hour": 6, "minute": 27}
